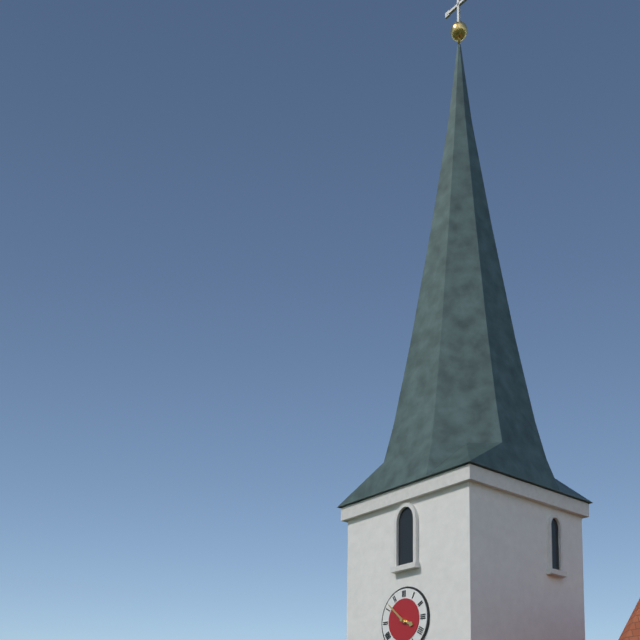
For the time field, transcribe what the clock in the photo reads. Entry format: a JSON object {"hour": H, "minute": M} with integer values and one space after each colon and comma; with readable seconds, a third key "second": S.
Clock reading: {"hour": 3, "minute": 52}
